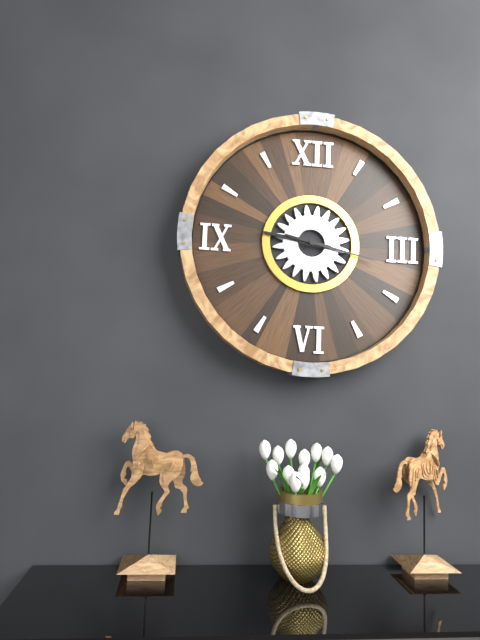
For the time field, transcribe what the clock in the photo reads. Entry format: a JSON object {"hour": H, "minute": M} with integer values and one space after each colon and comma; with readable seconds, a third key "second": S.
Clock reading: {"hour": 9, "minute": 17}
